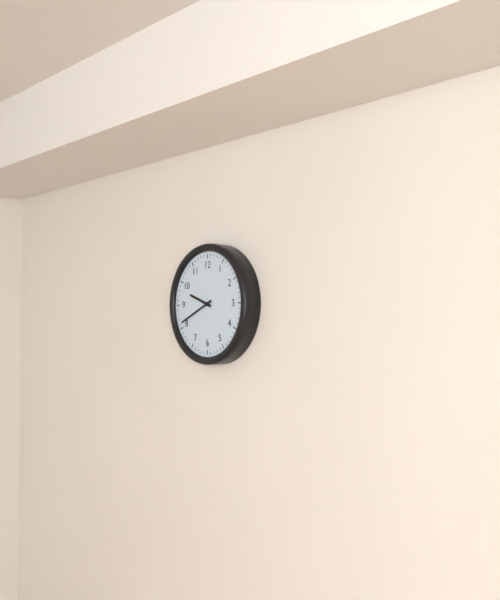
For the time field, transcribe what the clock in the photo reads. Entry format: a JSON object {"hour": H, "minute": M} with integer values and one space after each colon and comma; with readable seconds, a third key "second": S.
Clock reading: {"hour": 9, "minute": 41}
